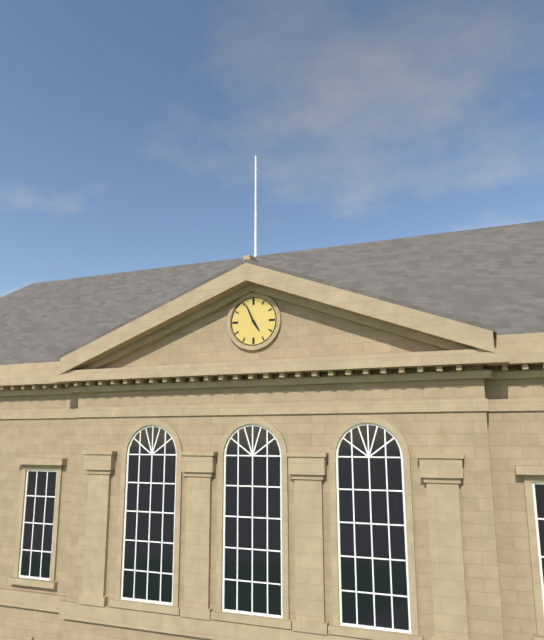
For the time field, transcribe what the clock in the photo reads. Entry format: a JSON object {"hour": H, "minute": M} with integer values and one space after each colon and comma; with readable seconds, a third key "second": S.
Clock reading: {"hour": 4, "minute": 56}
